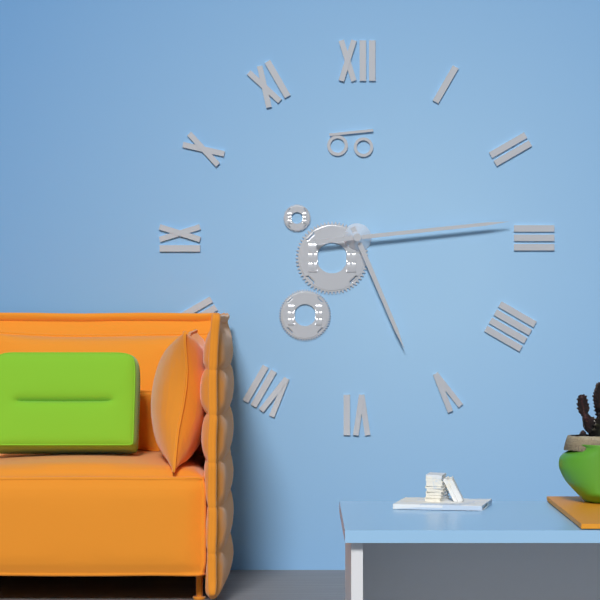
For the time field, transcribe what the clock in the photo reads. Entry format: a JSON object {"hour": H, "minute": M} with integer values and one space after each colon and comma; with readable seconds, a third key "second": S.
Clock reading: {"hour": 5, "minute": 14}
